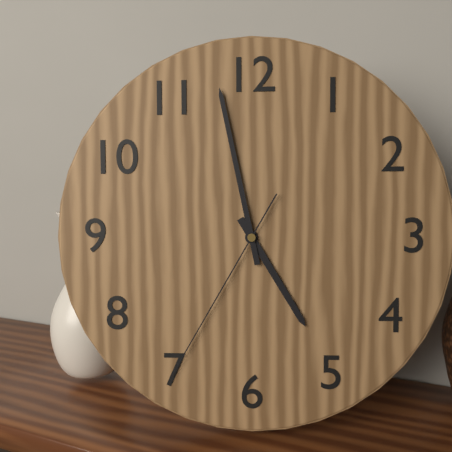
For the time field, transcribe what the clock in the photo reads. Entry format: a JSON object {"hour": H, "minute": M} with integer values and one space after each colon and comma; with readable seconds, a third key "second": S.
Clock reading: {"hour": 4, "minute": 58, "second": 35}
